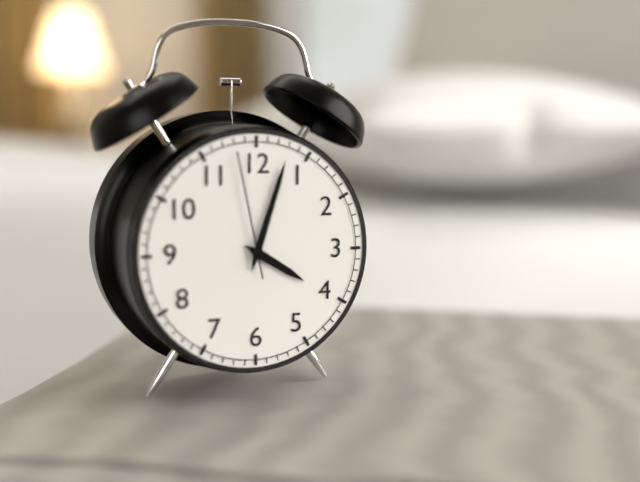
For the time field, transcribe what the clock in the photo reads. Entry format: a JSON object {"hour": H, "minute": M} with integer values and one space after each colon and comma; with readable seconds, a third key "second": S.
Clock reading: {"hour": 4, "minute": 3, "second": 58}
